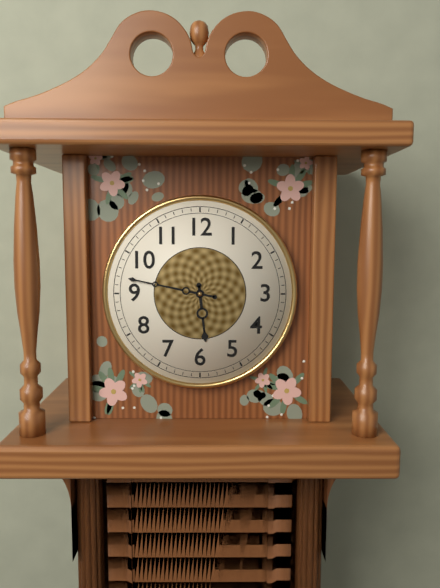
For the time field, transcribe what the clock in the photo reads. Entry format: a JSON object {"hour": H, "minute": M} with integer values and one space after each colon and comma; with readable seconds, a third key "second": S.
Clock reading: {"hour": 5, "minute": 47}
